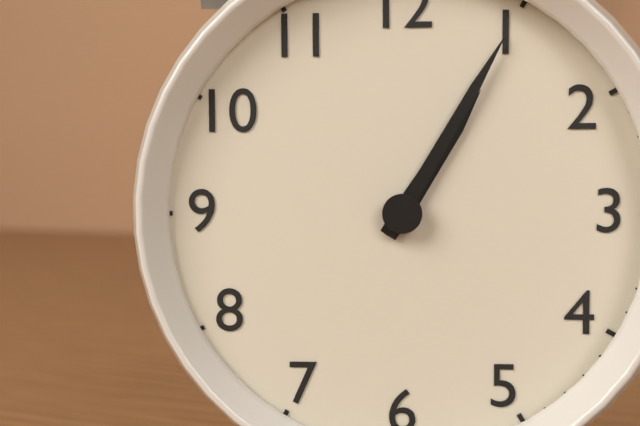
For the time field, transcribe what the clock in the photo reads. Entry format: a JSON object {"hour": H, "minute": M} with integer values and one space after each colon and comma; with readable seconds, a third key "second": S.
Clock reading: {"hour": 1, "minute": 5}
